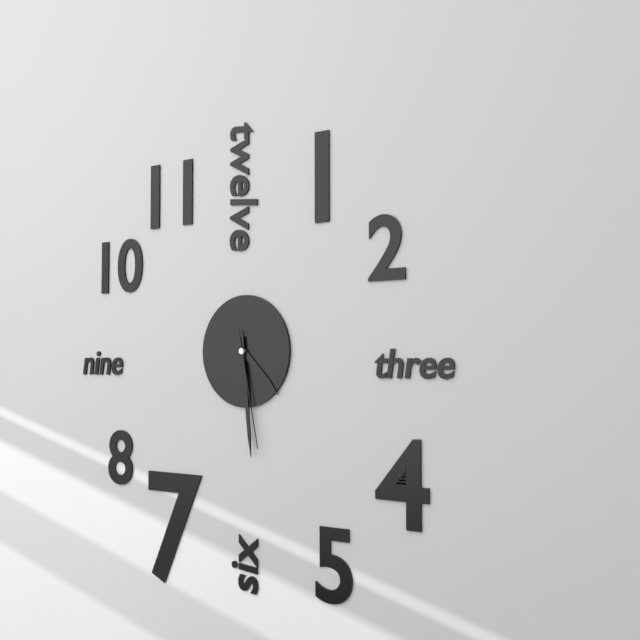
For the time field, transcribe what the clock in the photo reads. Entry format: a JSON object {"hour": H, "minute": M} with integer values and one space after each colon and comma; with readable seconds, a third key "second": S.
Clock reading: {"hour": 4, "minute": 29, "second": 28}
